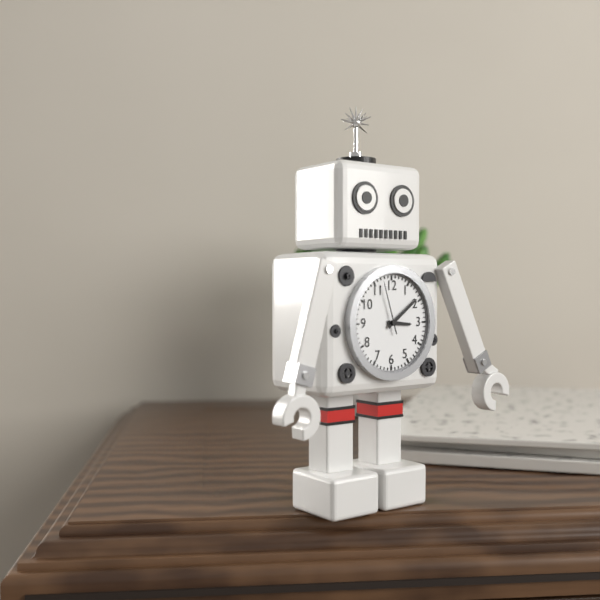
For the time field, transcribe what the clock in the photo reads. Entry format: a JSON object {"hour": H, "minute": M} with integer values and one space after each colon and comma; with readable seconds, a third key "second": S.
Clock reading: {"hour": 3, "minute": 9, "second": 57}
